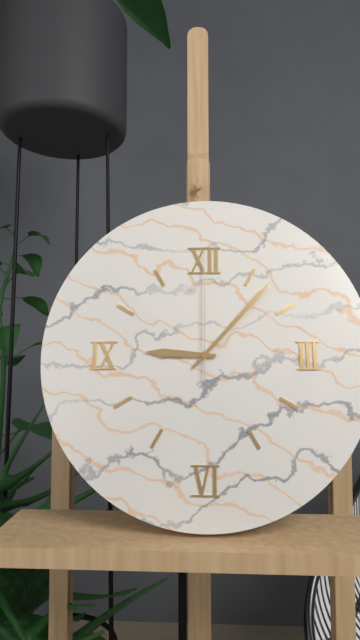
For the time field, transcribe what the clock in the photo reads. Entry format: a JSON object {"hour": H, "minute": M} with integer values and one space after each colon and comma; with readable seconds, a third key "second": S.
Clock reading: {"hour": 9, "minute": 7, "second": 0}
